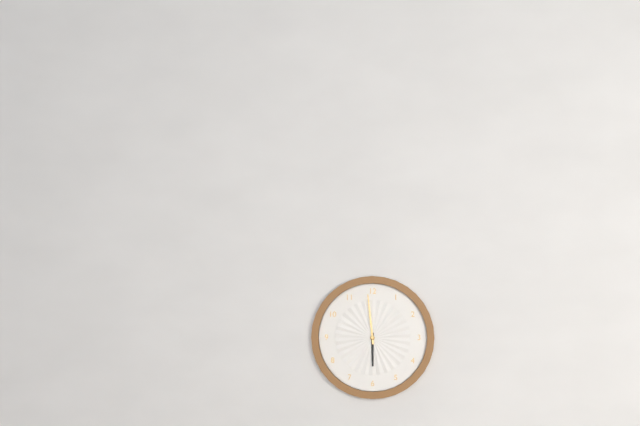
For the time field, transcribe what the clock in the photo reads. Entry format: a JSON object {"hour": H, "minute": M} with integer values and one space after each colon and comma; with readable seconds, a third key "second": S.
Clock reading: {"hour": 5, "minute": 59}
